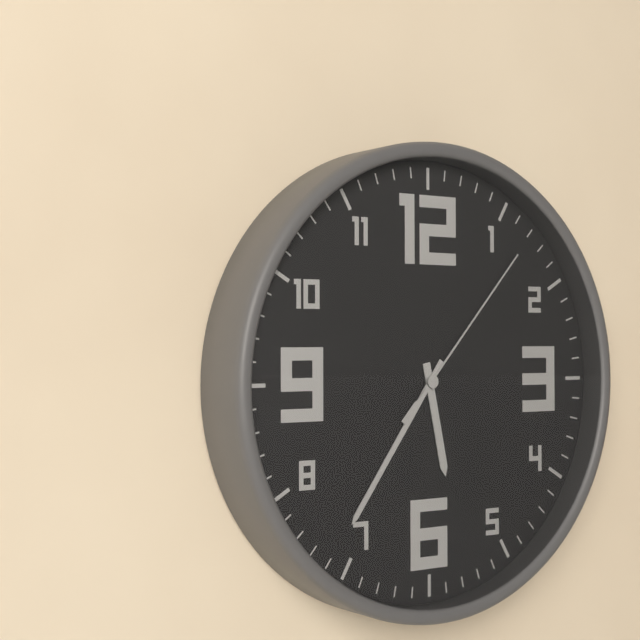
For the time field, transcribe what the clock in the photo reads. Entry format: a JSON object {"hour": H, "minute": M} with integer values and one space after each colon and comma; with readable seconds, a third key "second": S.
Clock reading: {"hour": 5, "minute": 36, "second": 7}
